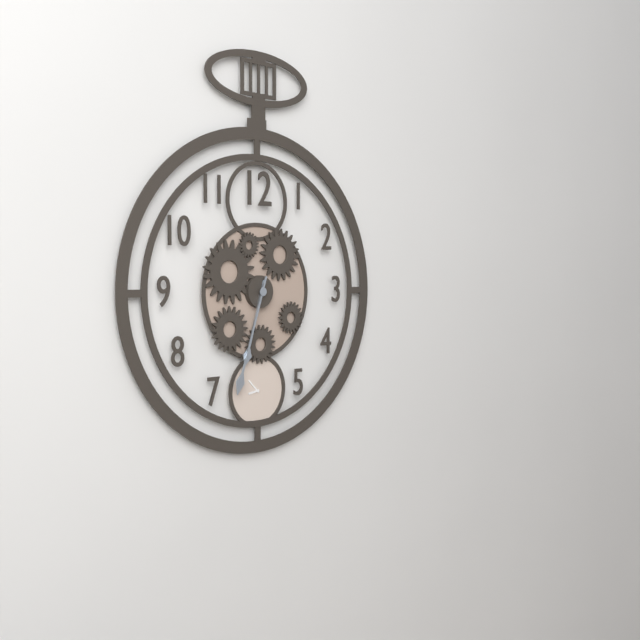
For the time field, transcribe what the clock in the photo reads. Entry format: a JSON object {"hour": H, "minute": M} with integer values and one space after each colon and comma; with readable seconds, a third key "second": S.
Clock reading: {"hour": 6, "minute": 33}
